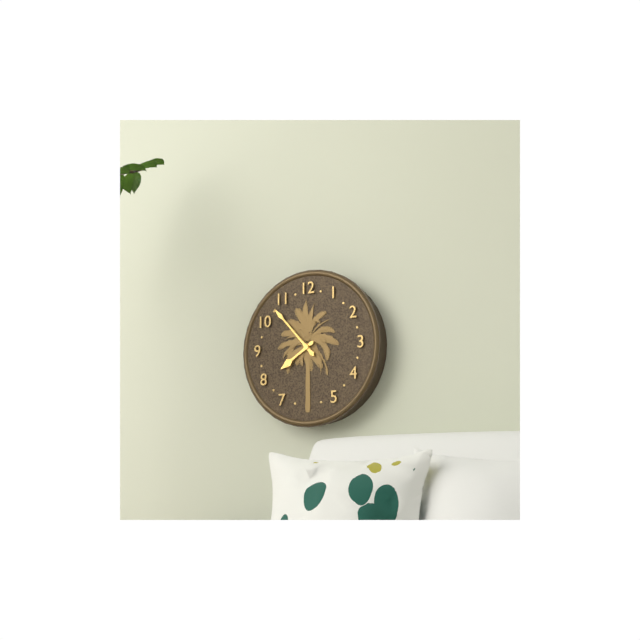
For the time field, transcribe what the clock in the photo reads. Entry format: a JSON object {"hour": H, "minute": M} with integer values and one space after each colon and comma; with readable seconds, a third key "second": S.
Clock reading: {"hour": 7, "minute": 53}
